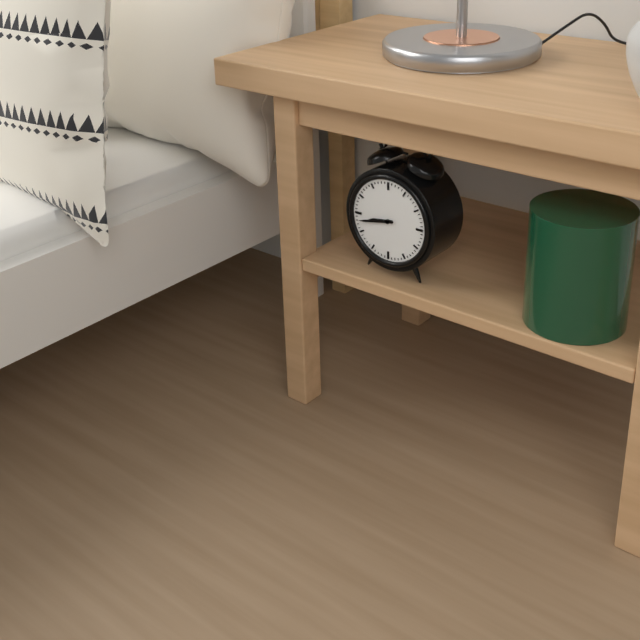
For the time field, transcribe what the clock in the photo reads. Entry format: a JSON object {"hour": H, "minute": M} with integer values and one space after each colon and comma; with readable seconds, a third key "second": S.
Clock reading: {"hour": 8, "minute": 43}
